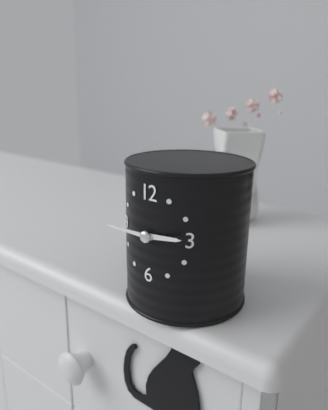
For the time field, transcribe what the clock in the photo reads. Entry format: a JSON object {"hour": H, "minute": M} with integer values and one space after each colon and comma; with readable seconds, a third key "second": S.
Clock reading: {"hour": 2, "minute": 45}
